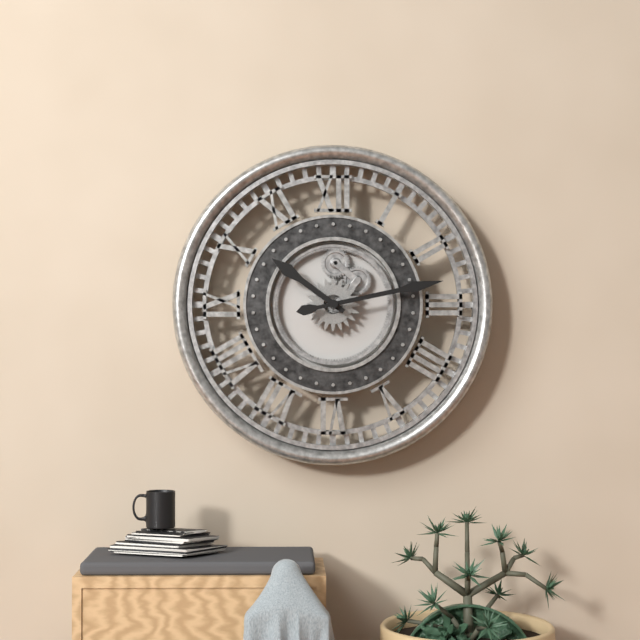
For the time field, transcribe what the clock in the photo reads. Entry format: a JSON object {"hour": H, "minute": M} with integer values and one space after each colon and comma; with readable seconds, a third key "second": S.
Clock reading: {"hour": 10, "minute": 13}
